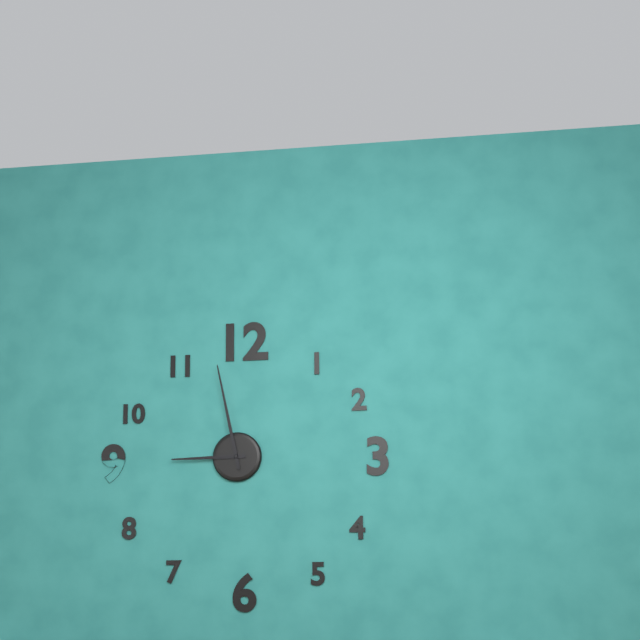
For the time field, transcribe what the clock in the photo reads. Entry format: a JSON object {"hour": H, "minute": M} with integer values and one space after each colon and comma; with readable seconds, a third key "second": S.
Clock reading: {"hour": 8, "minute": 58}
